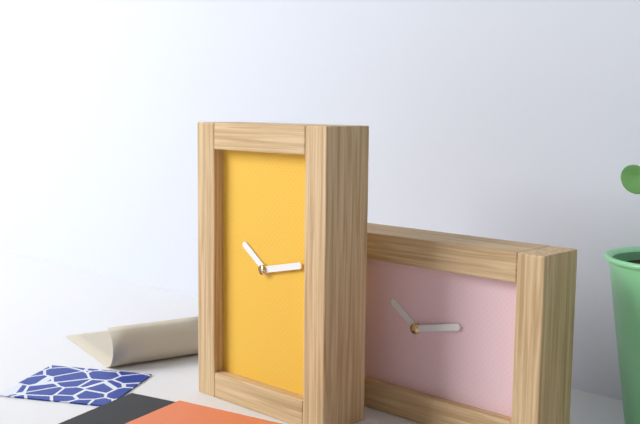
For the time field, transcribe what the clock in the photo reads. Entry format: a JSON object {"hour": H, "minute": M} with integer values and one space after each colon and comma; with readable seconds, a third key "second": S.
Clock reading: {"hour": 10, "minute": 13}
